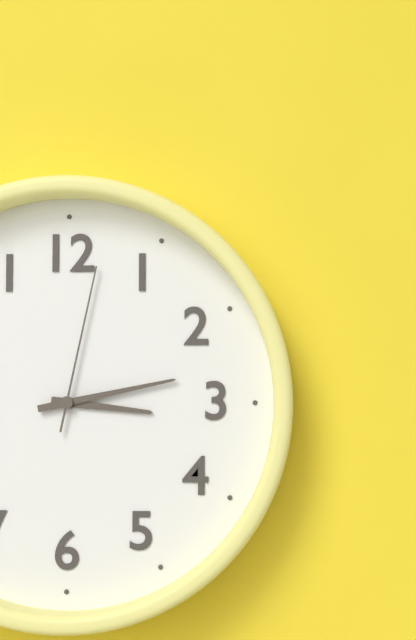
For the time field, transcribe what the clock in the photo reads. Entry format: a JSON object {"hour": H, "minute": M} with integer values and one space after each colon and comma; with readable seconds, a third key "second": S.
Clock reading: {"hour": 3, "minute": 13, "second": 2}
